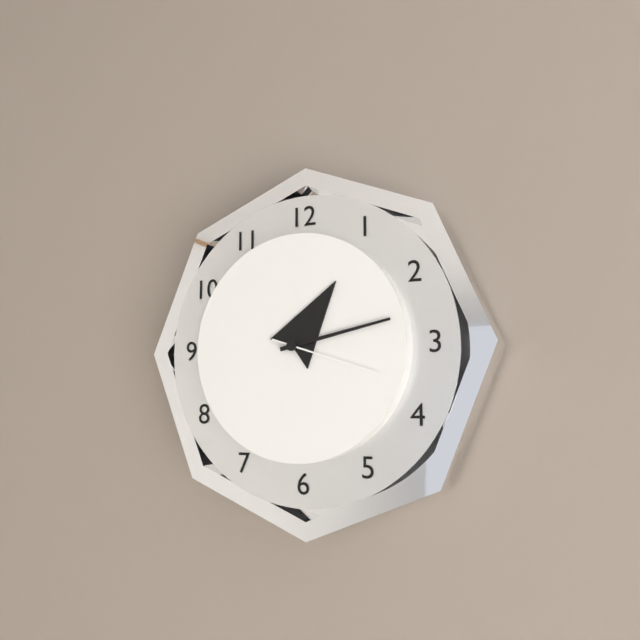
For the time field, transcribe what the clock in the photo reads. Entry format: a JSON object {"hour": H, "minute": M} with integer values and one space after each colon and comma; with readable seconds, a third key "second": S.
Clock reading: {"hour": 1, "minute": 13, "second": 18}
